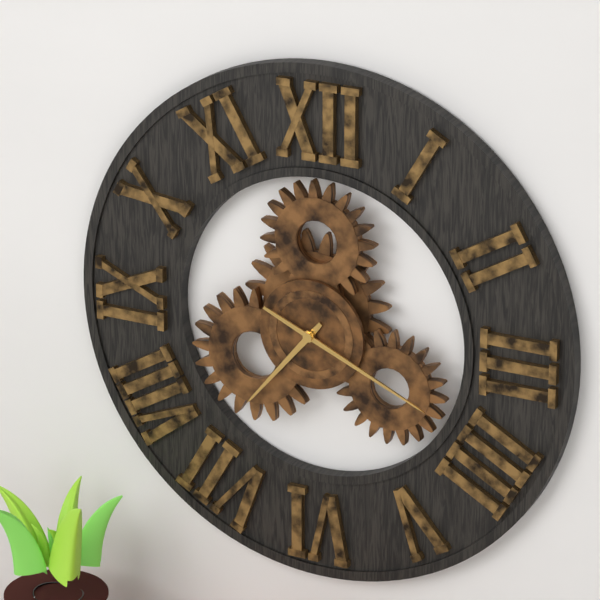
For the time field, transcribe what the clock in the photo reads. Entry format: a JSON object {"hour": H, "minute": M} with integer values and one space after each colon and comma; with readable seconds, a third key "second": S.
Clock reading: {"hour": 7, "minute": 19}
